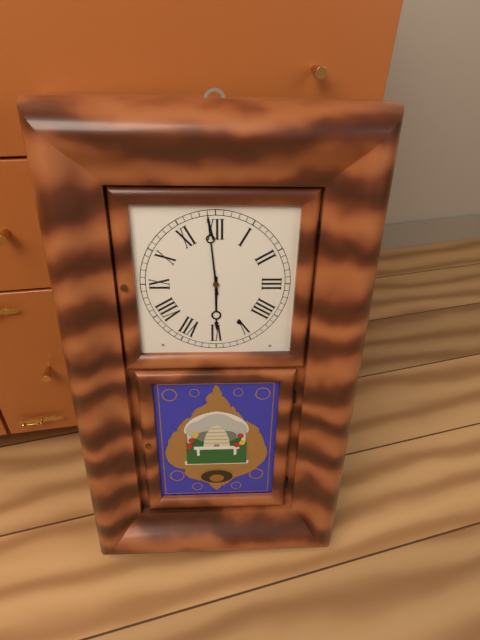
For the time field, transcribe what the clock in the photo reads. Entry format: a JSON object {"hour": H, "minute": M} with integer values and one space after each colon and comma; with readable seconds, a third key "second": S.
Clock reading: {"hour": 5, "minute": 59}
